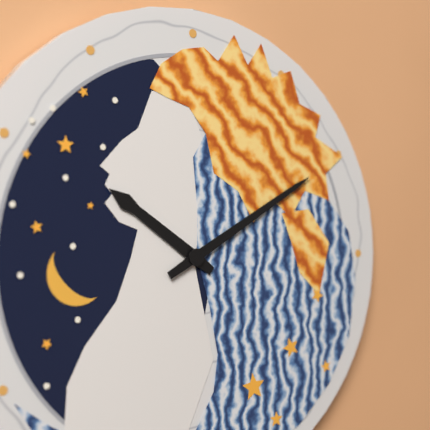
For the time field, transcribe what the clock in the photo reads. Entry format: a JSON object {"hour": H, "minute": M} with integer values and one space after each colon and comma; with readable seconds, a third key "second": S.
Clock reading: {"hour": 10, "minute": 10}
